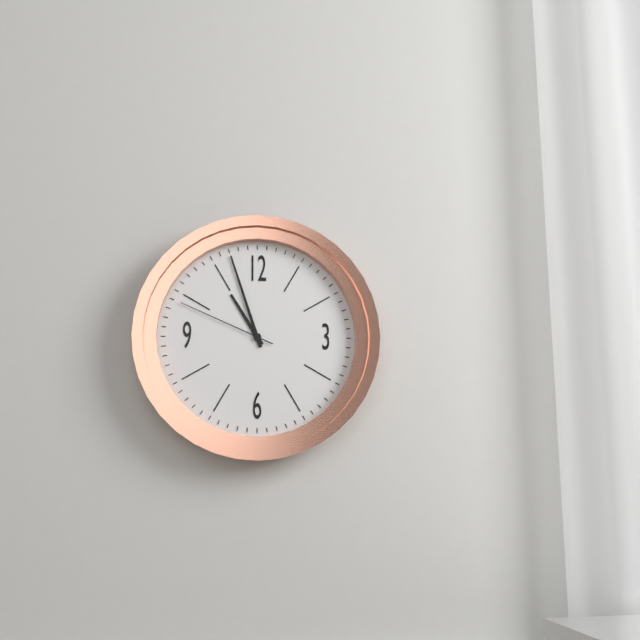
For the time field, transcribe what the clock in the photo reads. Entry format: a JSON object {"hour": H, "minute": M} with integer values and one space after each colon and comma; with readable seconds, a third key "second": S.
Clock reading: {"hour": 10, "minute": 57, "second": 49}
